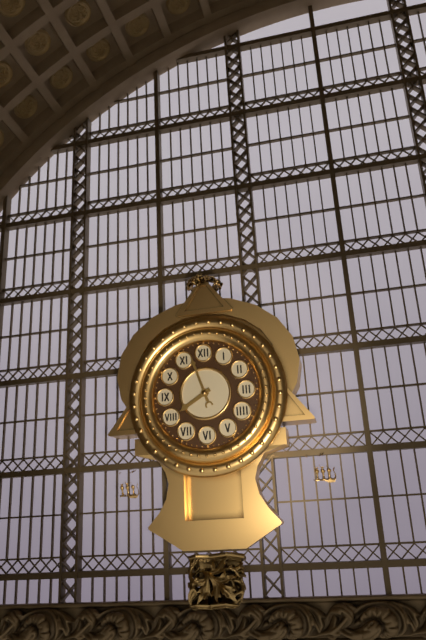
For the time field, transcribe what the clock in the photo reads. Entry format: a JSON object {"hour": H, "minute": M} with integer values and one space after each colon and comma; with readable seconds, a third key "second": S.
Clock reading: {"hour": 7, "minute": 57}
